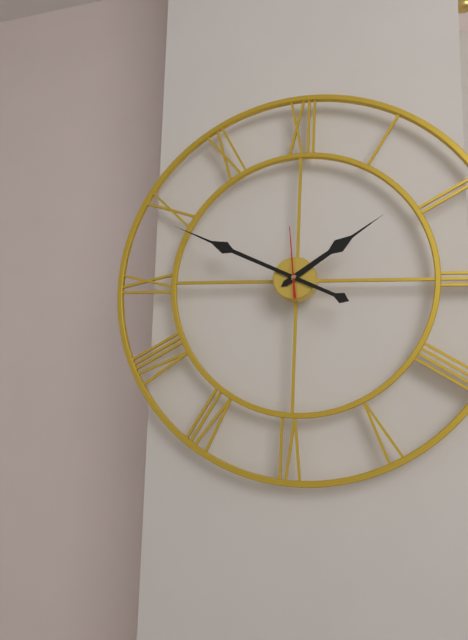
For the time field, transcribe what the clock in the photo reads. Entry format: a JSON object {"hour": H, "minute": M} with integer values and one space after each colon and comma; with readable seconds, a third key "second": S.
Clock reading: {"hour": 1, "minute": 49, "second": 59}
